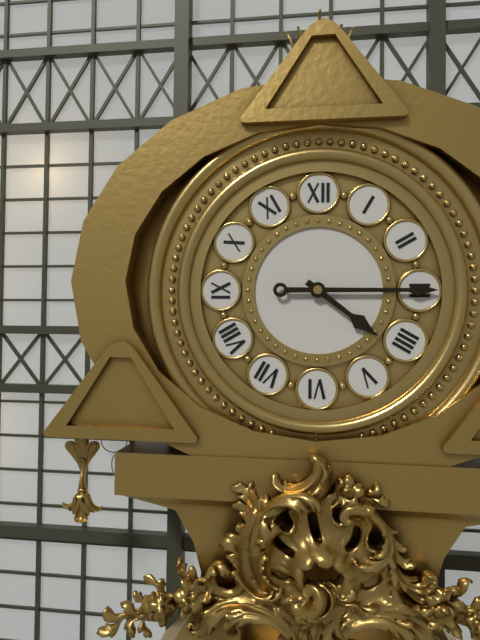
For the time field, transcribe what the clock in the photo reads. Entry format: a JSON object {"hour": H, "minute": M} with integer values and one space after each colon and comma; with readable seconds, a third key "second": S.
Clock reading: {"hour": 4, "minute": 15}
